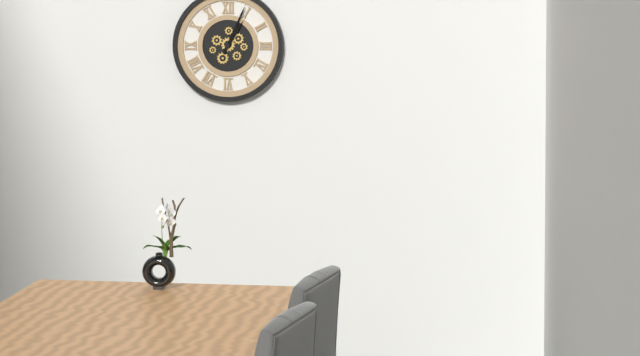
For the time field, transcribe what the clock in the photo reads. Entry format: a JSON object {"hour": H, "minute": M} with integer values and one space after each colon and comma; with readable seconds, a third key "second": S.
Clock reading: {"hour": 1, "minute": 4}
